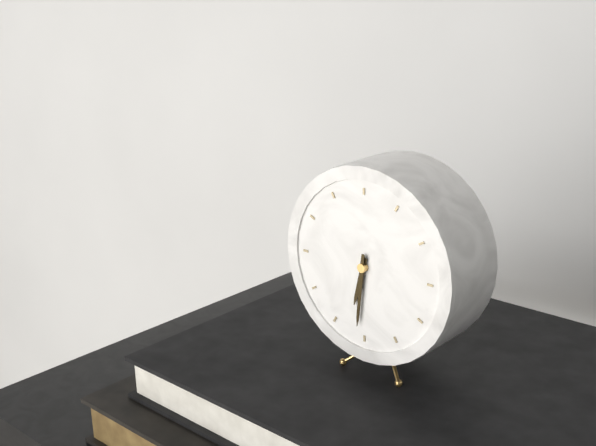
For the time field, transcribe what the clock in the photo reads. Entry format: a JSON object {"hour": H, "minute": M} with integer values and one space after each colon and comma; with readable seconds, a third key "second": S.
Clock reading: {"hour": 6, "minute": 31}
